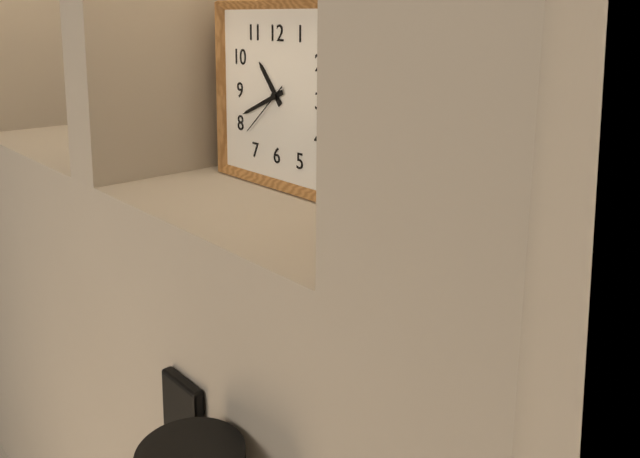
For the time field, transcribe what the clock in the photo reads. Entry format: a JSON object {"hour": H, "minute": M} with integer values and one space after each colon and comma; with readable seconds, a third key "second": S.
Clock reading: {"hour": 10, "minute": 41, "second": 38}
